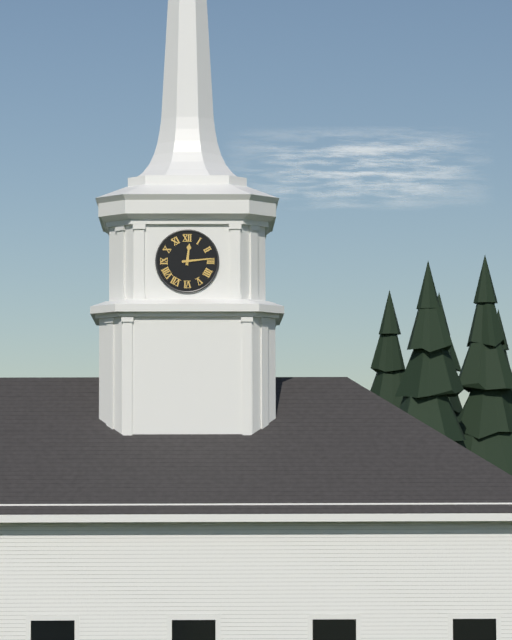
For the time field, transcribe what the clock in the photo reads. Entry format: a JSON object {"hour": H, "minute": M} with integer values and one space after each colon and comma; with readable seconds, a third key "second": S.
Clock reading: {"hour": 12, "minute": 14}
